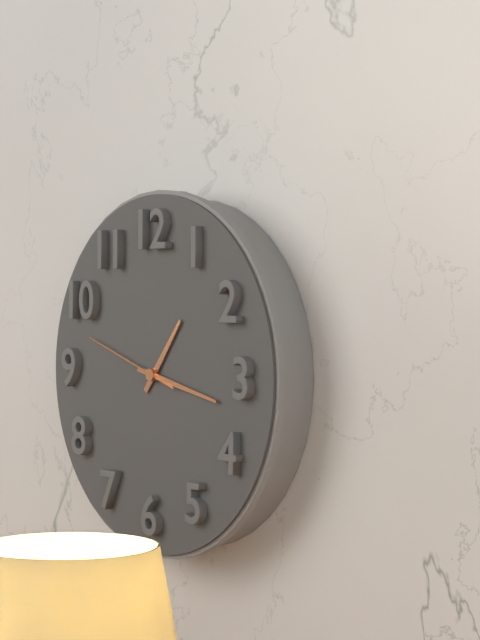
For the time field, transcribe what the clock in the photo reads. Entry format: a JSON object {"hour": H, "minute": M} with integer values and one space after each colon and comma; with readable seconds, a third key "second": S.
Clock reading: {"hour": 1, "minute": 17, "second": 48}
